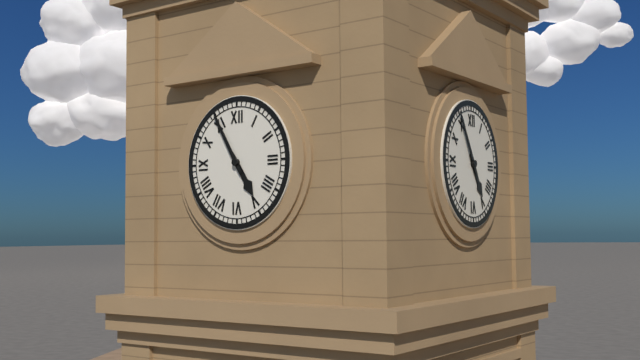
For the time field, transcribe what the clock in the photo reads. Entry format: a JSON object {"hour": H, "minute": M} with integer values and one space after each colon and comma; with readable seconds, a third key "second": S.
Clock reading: {"hour": 4, "minute": 55}
